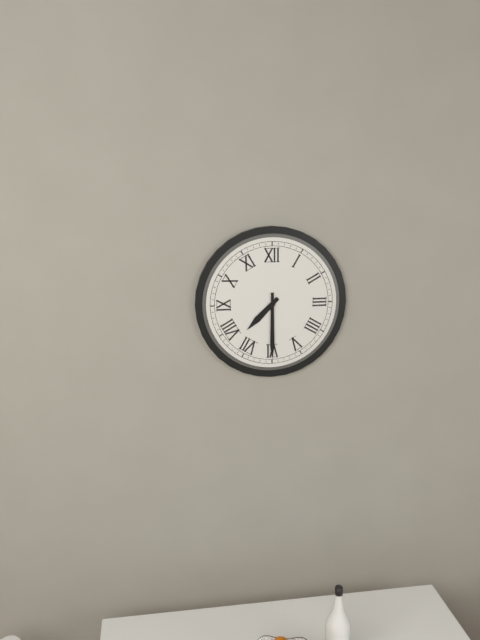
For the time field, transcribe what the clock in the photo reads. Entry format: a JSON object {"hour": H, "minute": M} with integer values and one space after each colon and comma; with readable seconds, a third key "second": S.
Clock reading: {"hour": 7, "minute": 30}
